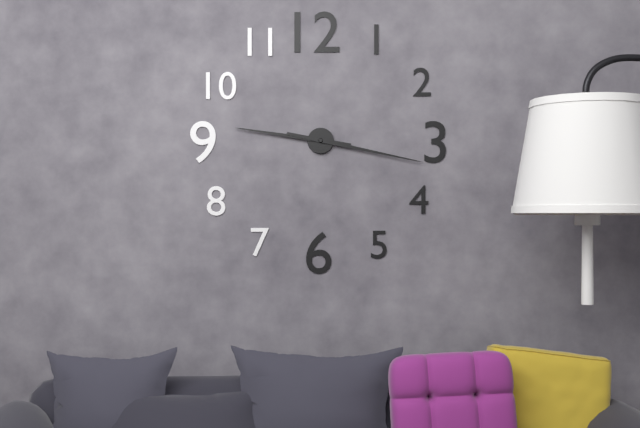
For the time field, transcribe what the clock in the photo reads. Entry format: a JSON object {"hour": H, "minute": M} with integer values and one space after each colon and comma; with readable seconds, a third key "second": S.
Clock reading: {"hour": 9, "minute": 17}
